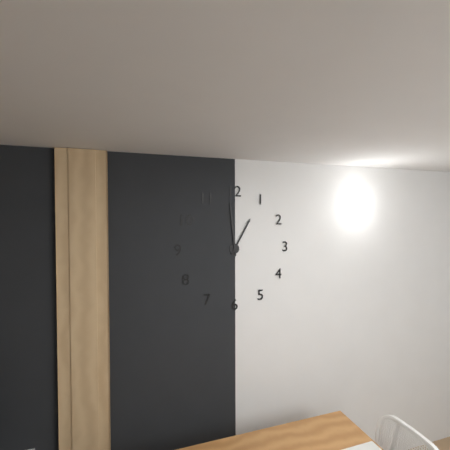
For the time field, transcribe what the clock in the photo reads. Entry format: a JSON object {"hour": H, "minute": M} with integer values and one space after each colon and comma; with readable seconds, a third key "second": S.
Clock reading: {"hour": 12, "minute": 59}
